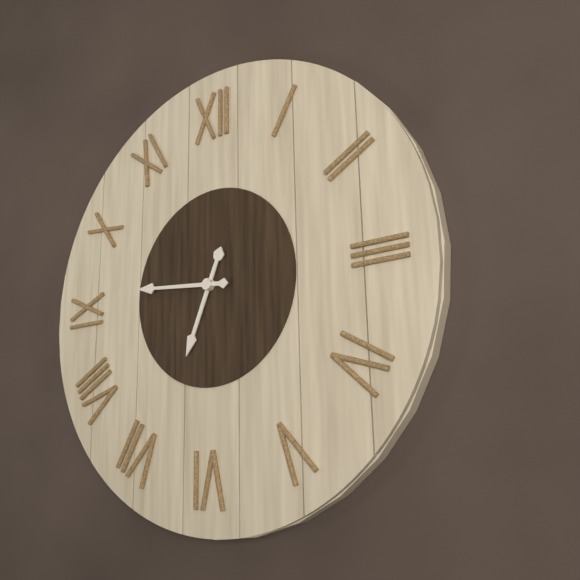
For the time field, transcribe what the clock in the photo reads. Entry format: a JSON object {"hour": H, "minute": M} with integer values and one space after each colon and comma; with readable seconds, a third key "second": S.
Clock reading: {"hour": 6, "minute": 46}
